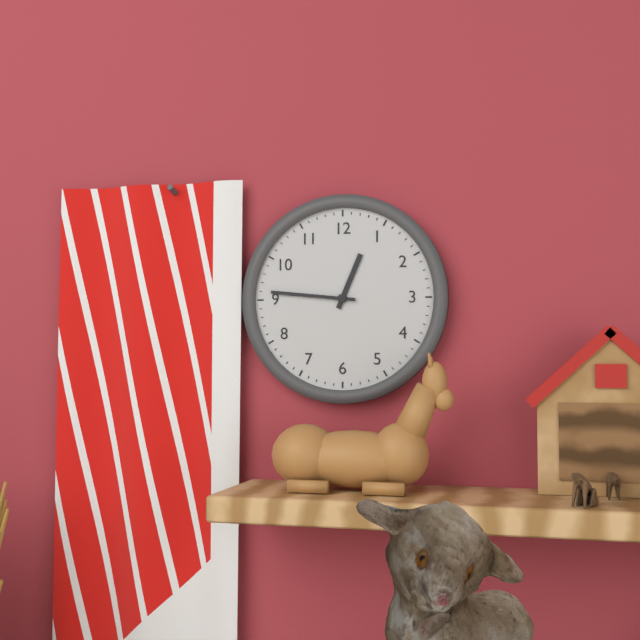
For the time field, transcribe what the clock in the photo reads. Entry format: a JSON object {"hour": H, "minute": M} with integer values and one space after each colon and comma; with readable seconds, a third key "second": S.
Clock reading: {"hour": 12, "minute": 46}
